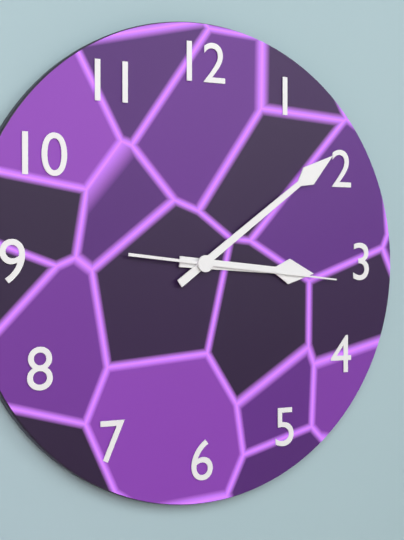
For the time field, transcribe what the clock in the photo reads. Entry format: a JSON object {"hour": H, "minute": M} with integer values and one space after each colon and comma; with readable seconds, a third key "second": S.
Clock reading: {"hour": 3, "minute": 9, "second": 16}
